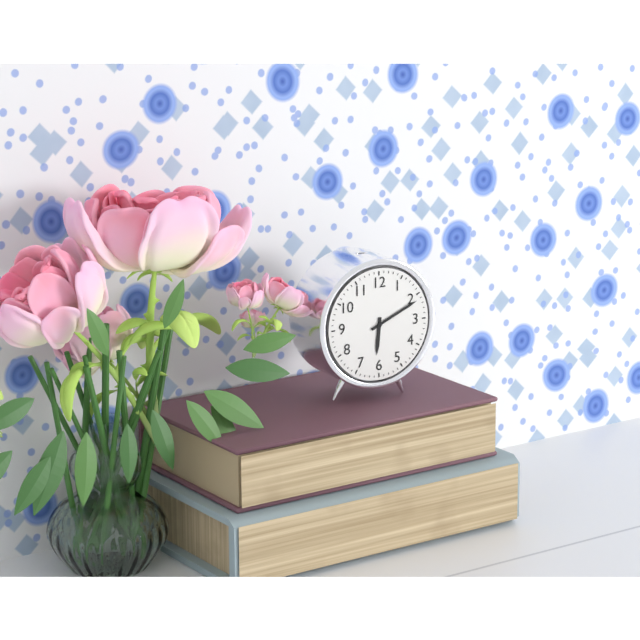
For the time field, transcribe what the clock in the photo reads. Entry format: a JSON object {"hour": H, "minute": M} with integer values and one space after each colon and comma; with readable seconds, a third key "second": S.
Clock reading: {"hour": 6, "minute": 11}
